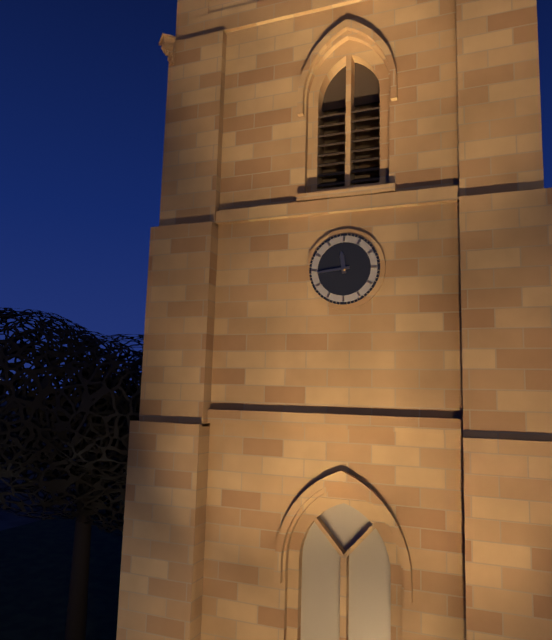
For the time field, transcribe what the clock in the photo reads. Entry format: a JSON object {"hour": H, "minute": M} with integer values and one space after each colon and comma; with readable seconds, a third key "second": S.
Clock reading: {"hour": 11, "minute": 44}
